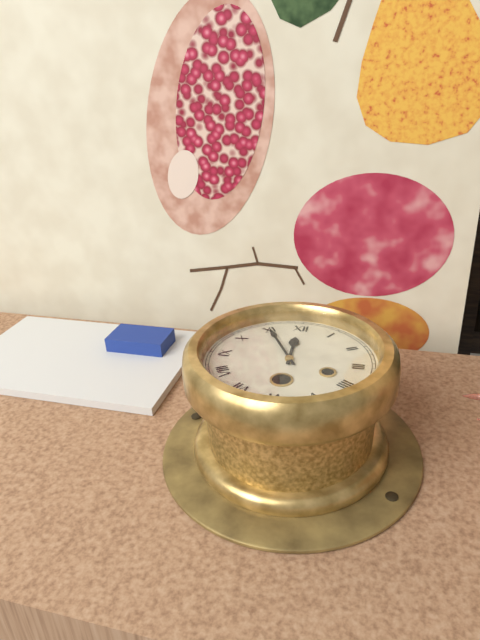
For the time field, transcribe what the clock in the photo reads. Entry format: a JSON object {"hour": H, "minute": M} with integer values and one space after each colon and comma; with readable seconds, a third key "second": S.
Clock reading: {"hour": 11, "minute": 55}
